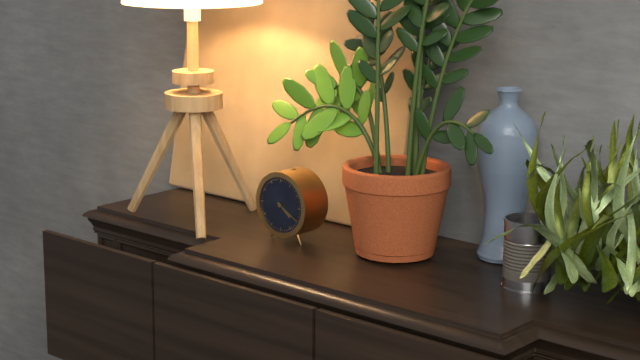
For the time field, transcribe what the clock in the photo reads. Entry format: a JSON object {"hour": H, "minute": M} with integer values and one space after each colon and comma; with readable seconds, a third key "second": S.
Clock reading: {"hour": 4, "minute": 20}
